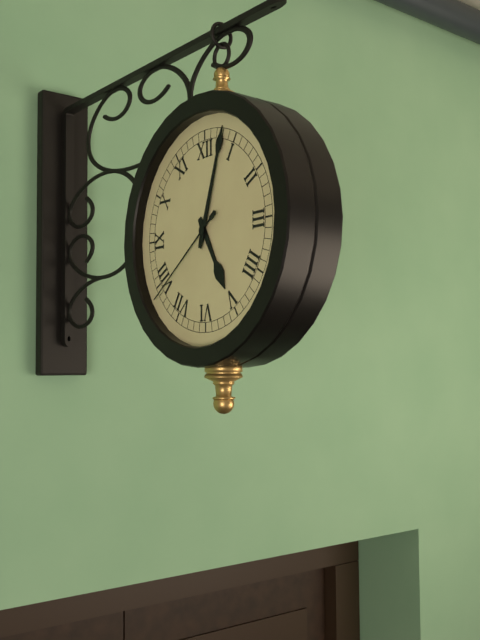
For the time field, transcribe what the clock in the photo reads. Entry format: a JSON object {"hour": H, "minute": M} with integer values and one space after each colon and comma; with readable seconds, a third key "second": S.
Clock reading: {"hour": 5, "minute": 3, "second": 39}
